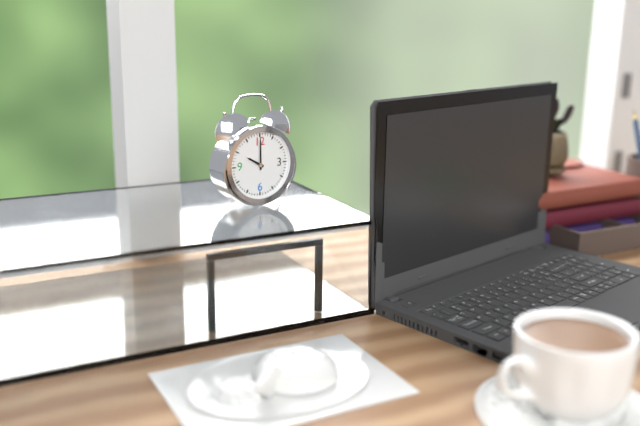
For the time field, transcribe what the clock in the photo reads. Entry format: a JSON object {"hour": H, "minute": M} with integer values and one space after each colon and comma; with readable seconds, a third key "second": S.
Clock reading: {"hour": 10, "minute": 0}
